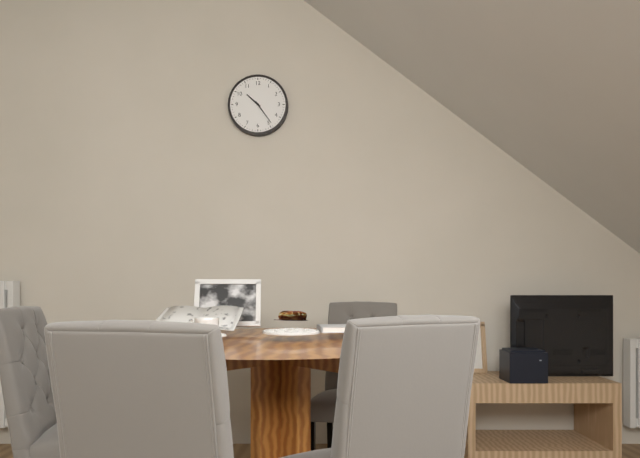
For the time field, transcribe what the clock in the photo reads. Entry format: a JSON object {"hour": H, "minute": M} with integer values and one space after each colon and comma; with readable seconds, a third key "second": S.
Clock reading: {"hour": 10, "minute": 24}
